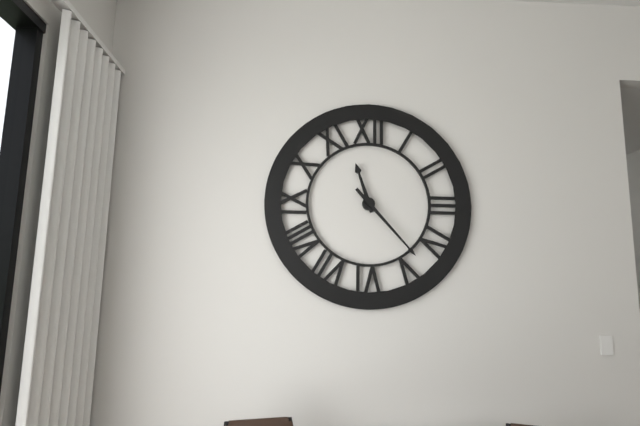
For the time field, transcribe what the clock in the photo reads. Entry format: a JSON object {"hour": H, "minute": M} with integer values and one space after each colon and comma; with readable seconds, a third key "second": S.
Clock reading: {"hour": 11, "minute": 23}
